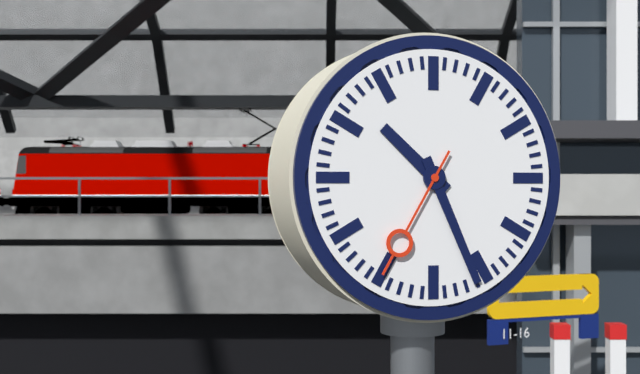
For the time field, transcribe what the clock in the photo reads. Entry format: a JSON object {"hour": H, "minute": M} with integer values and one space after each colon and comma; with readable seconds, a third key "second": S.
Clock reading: {"hour": 10, "minute": 26, "second": 35}
